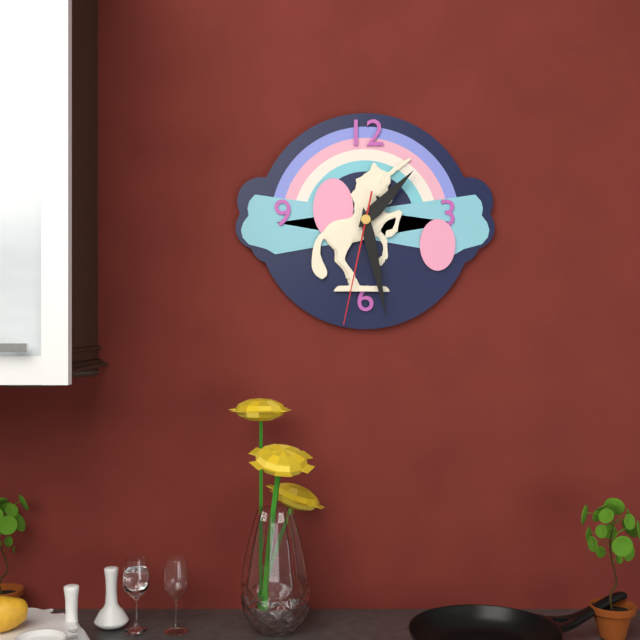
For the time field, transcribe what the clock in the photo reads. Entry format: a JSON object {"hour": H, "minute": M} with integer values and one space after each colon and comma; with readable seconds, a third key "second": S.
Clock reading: {"hour": 1, "minute": 28, "second": 32}
